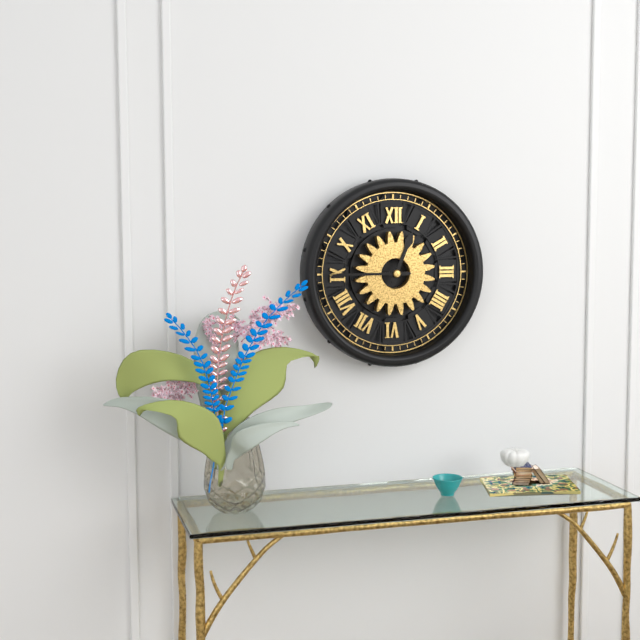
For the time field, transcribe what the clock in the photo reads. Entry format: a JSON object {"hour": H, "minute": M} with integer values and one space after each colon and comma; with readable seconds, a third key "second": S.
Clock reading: {"hour": 12, "minute": 45}
